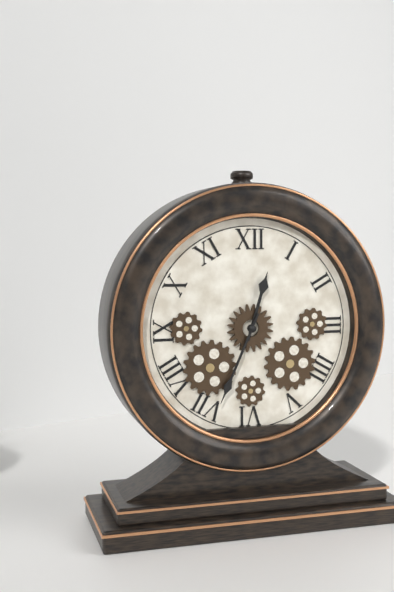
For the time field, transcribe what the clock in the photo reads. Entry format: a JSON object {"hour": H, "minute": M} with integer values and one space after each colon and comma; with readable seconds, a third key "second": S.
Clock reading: {"hour": 12, "minute": 34}
